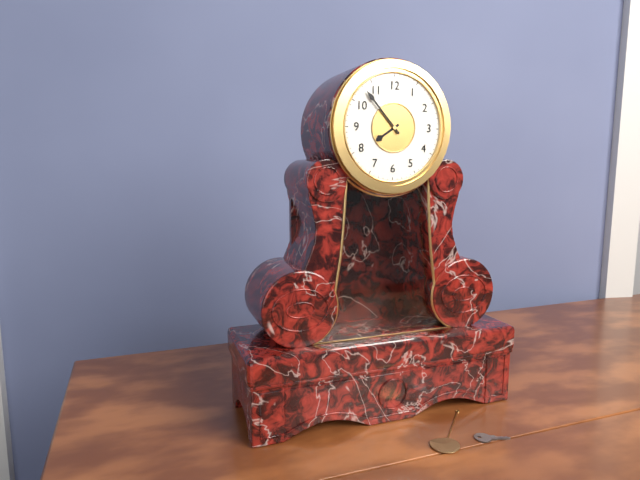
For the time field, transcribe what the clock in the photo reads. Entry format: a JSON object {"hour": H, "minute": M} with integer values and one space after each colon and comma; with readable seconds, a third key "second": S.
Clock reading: {"hour": 7, "minute": 53}
